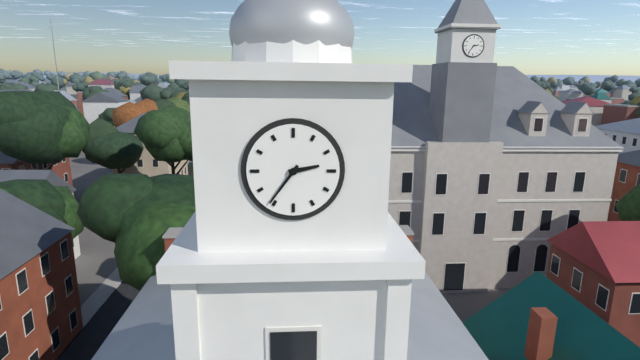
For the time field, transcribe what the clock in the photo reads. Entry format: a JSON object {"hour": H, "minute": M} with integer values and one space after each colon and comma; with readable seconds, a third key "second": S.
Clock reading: {"hour": 2, "minute": 36}
